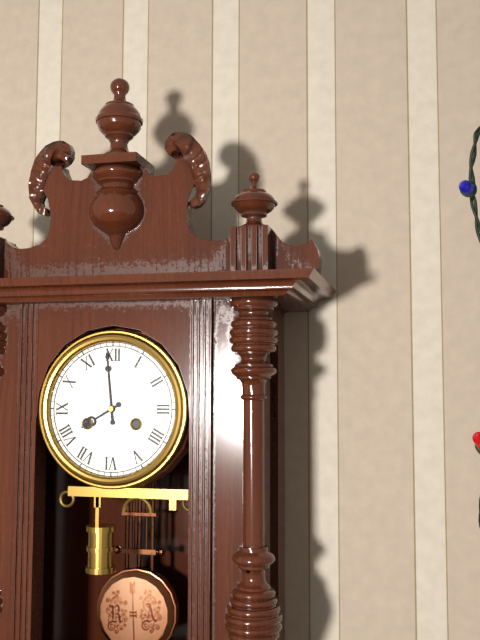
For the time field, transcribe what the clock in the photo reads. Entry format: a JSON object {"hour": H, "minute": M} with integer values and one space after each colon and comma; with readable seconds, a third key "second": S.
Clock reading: {"hour": 7, "minute": 59}
